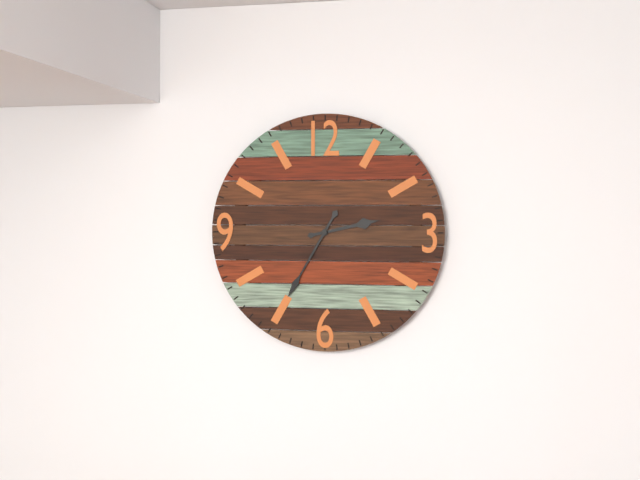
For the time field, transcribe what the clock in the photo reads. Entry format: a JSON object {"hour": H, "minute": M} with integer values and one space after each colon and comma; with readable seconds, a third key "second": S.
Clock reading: {"hour": 2, "minute": 35}
